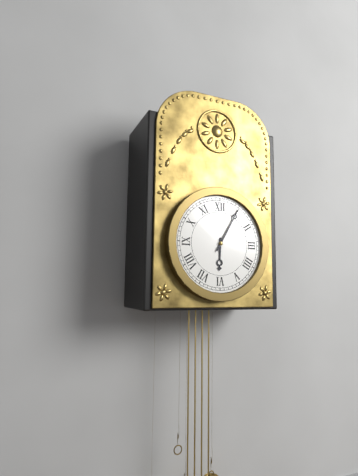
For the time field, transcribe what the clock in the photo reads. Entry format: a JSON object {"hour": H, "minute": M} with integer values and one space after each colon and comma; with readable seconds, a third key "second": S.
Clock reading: {"hour": 6, "minute": 5}
